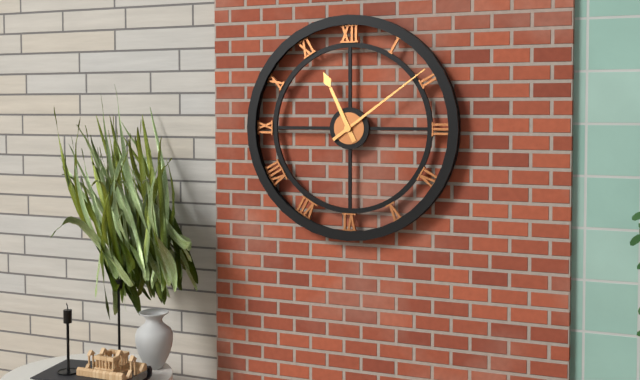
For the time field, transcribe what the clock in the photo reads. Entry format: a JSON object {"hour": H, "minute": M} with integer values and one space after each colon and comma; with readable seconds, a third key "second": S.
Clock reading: {"hour": 11, "minute": 9}
